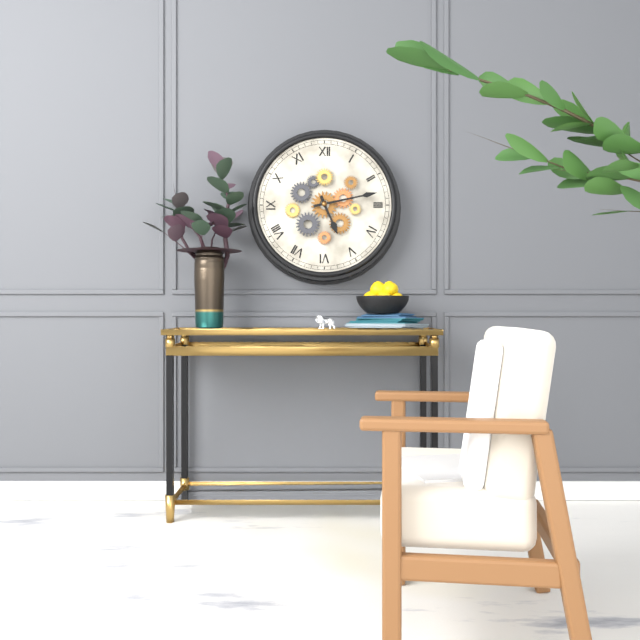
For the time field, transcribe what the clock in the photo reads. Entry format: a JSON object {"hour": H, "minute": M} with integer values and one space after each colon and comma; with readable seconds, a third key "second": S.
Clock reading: {"hour": 5, "minute": 13}
